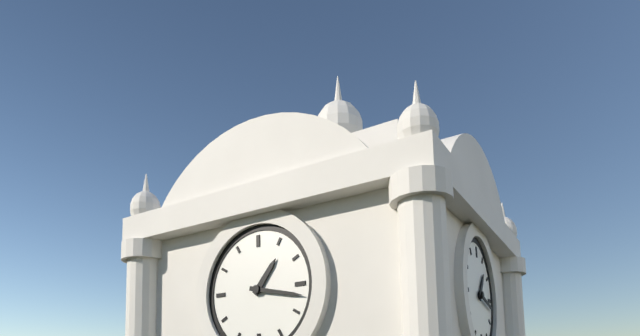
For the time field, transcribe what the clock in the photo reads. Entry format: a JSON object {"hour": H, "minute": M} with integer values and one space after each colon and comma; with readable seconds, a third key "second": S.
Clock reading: {"hour": 1, "minute": 17}
